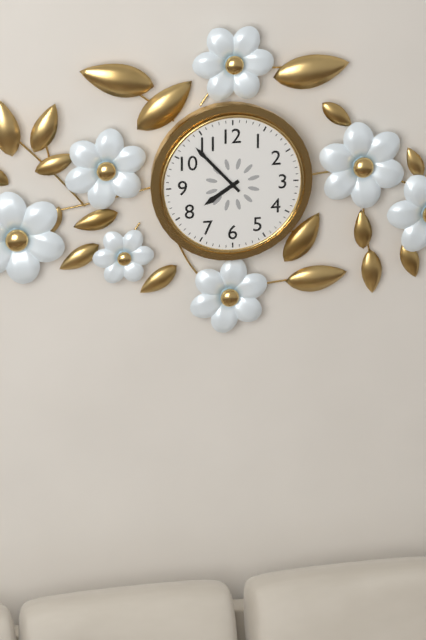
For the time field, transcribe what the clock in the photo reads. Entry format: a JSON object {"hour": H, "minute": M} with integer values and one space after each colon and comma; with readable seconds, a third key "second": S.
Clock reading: {"hour": 7, "minute": 53}
